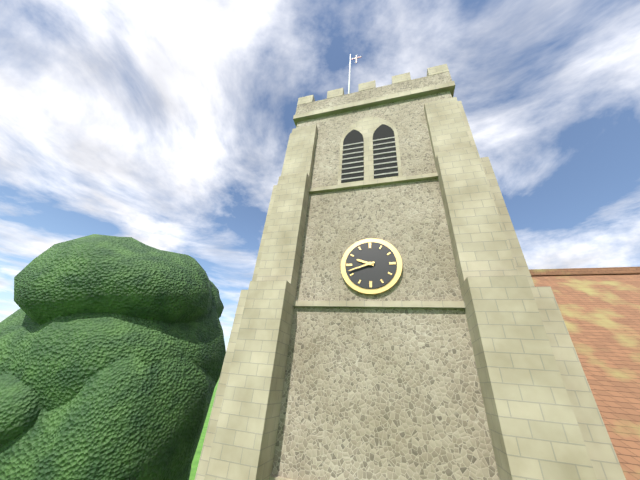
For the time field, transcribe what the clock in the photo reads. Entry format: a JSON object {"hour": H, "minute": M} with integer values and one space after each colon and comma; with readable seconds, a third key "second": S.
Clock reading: {"hour": 9, "minute": 42}
